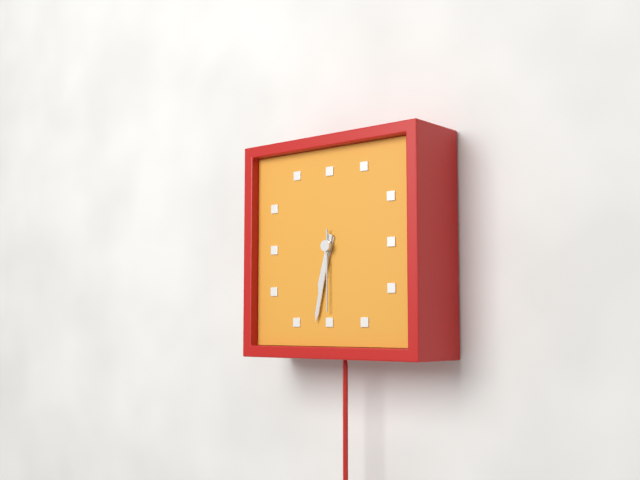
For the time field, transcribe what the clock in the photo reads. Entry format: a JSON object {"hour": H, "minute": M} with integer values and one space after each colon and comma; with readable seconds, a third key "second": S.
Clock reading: {"hour": 6, "minute": 32, "second": 30}
